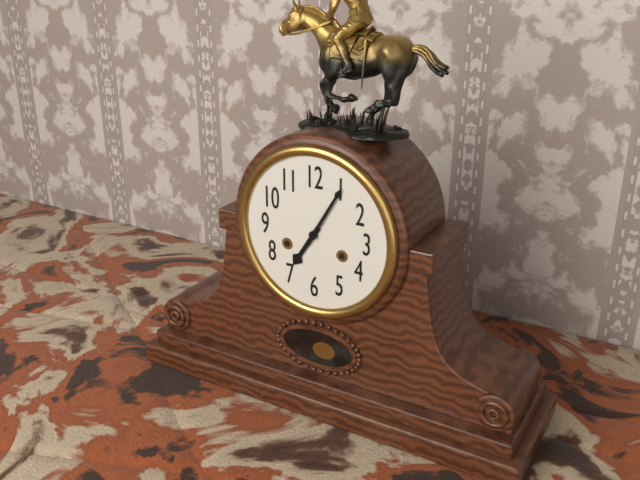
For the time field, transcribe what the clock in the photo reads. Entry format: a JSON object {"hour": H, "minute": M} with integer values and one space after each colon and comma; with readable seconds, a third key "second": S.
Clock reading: {"hour": 7, "minute": 5}
